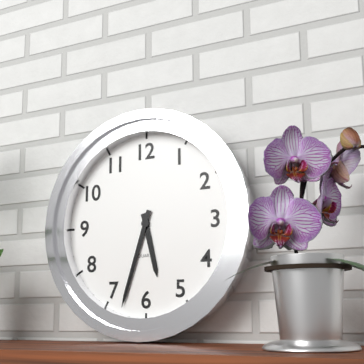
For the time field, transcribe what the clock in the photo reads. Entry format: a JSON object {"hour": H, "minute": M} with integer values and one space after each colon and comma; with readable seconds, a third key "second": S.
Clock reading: {"hour": 5, "minute": 33}
